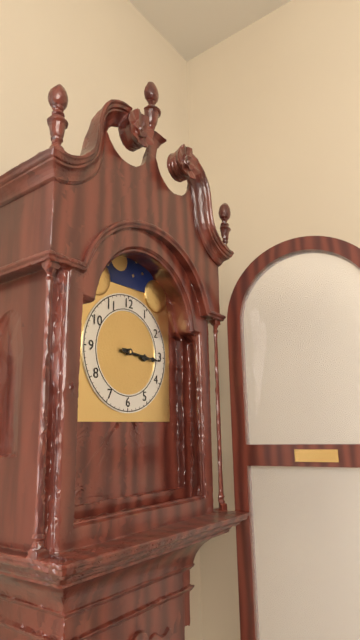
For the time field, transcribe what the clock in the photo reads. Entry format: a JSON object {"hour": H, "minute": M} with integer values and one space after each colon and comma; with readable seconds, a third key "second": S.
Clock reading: {"hour": 3, "minute": 16}
